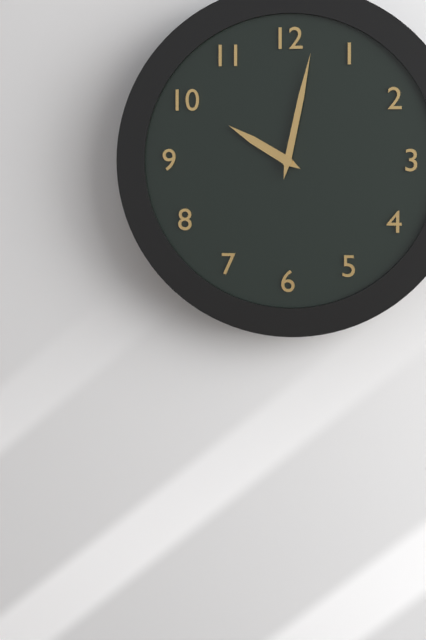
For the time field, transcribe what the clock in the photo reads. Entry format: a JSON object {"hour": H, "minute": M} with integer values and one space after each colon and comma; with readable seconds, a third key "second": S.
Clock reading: {"hour": 10, "minute": 2}
